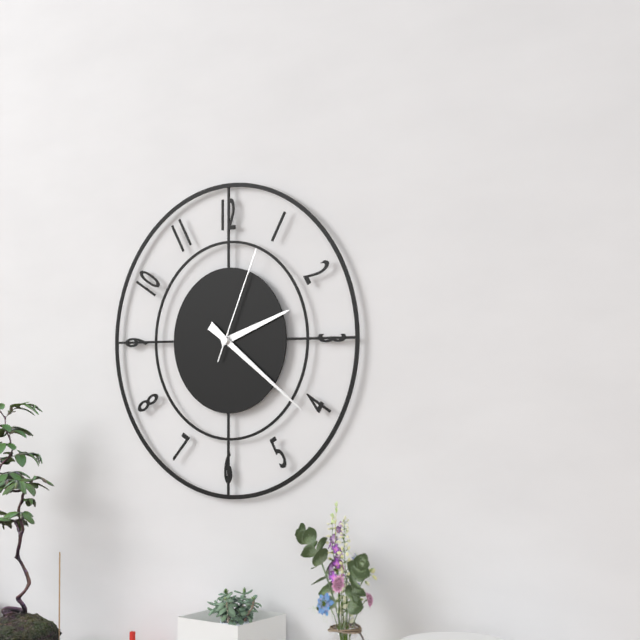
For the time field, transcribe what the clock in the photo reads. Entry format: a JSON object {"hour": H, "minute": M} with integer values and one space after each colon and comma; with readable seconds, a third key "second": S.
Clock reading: {"hour": 2, "minute": 21, "second": 4}
